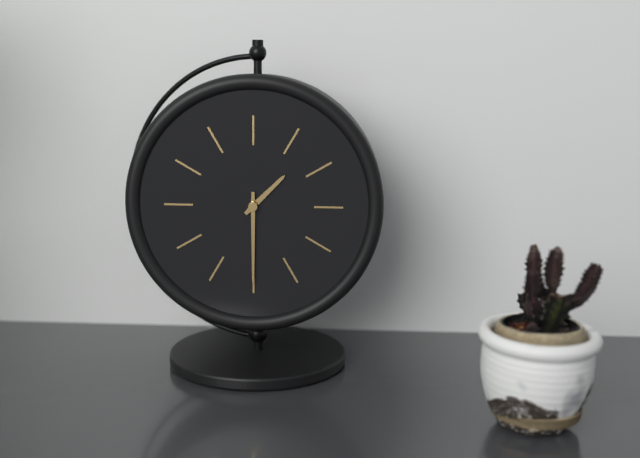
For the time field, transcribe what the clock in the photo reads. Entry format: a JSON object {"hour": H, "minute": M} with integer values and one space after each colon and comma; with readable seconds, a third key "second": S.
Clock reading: {"hour": 1, "minute": 30}
